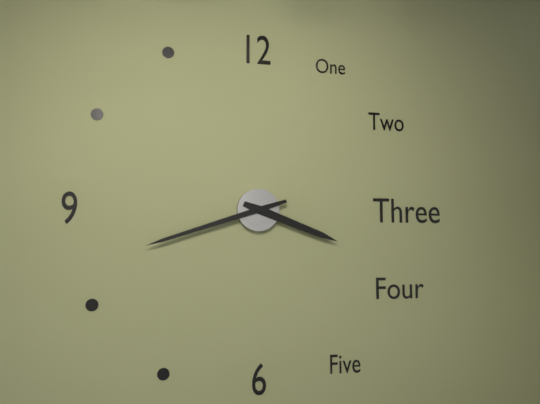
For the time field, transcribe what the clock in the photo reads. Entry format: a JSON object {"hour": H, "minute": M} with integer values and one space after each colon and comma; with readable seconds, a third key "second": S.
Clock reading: {"hour": 3, "minute": 42}
